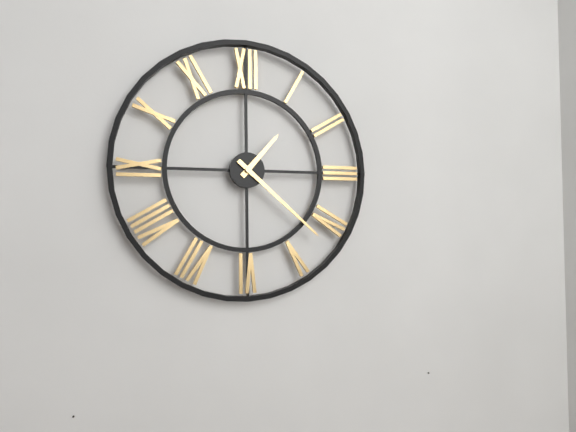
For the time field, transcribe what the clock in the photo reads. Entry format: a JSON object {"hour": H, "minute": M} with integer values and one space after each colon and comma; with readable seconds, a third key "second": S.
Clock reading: {"hour": 1, "minute": 22}
